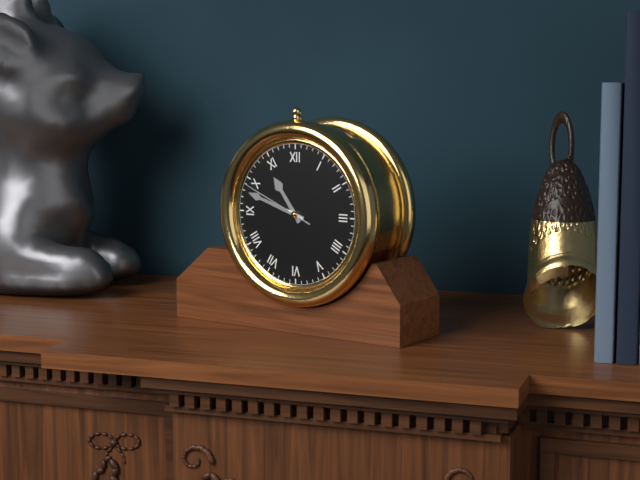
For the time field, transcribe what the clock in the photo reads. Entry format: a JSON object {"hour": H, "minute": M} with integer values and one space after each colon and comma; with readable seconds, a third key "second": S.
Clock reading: {"hour": 10, "minute": 48, "second": 49}
